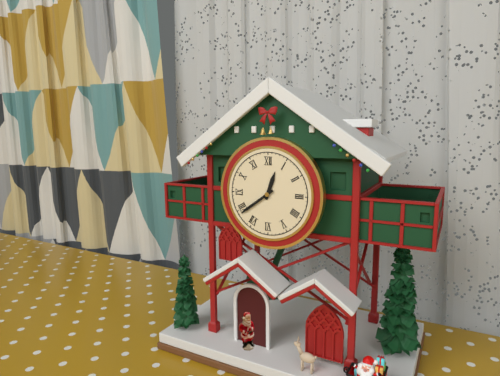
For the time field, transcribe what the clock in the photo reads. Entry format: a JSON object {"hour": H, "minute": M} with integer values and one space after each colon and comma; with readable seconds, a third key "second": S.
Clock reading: {"hour": 12, "minute": 39}
